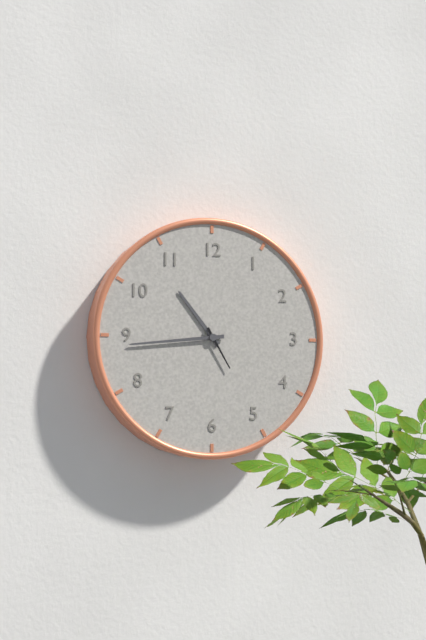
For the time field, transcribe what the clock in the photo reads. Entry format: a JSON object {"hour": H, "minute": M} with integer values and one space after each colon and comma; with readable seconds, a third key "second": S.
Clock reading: {"hour": 10, "minute": 44}
